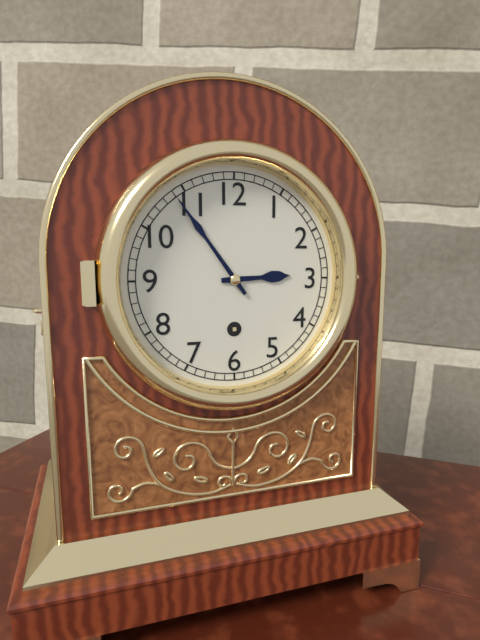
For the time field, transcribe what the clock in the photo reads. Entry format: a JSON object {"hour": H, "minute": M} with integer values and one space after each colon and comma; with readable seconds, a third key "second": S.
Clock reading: {"hour": 2, "minute": 54}
